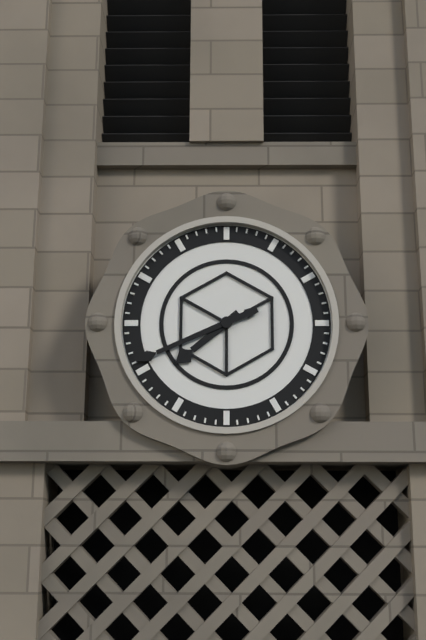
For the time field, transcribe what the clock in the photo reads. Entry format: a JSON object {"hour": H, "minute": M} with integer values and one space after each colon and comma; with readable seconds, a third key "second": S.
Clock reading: {"hour": 7, "minute": 41}
